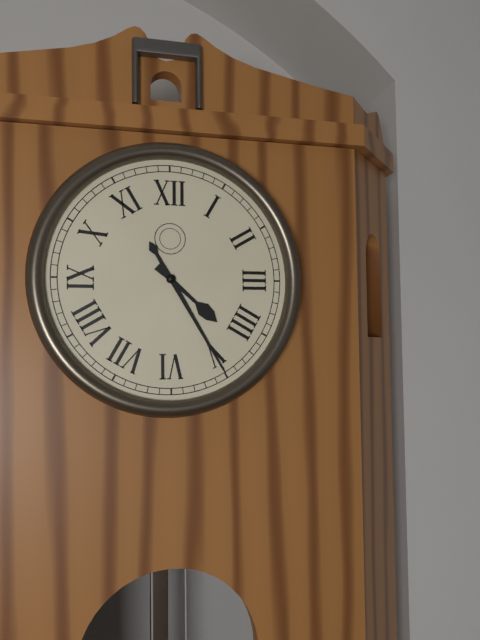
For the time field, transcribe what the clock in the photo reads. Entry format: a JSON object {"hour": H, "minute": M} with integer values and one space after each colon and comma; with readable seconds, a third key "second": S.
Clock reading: {"hour": 4, "minute": 25}
